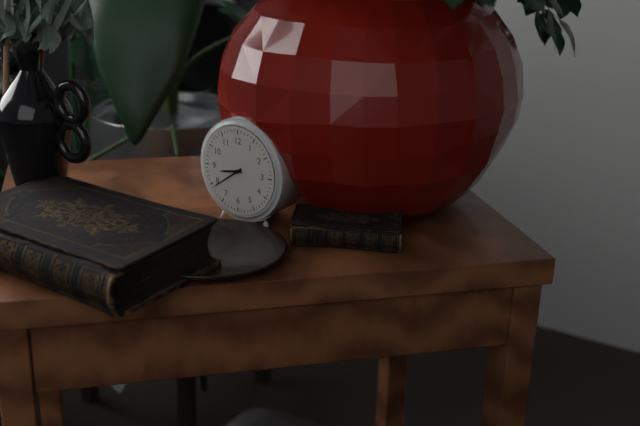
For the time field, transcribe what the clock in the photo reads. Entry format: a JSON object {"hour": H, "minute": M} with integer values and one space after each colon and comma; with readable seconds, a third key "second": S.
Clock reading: {"hour": 8, "minute": 39}
